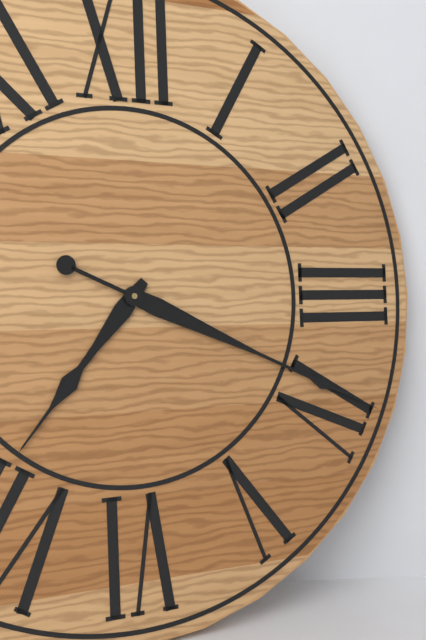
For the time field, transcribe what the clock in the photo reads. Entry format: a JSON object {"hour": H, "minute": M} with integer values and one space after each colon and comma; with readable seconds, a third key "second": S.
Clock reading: {"hour": 7, "minute": 19}
